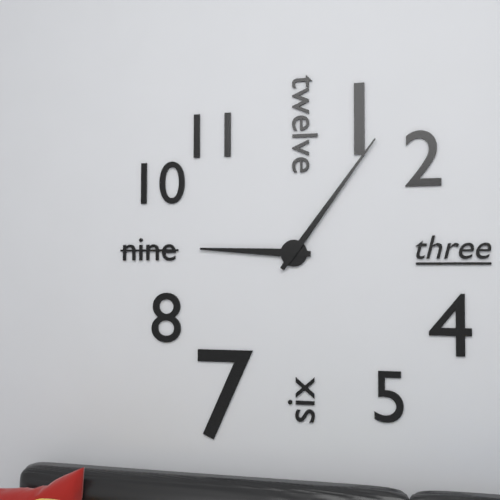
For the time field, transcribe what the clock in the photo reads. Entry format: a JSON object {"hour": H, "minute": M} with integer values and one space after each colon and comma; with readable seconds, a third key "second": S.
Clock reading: {"hour": 9, "minute": 6}
